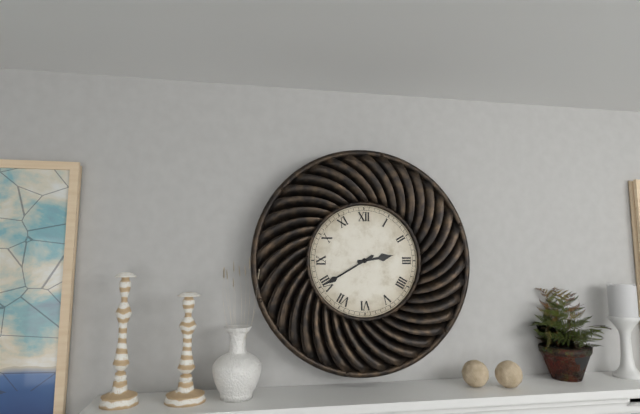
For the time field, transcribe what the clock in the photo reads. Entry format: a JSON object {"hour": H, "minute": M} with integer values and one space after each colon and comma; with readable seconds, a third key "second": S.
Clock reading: {"hour": 2, "minute": 40}
